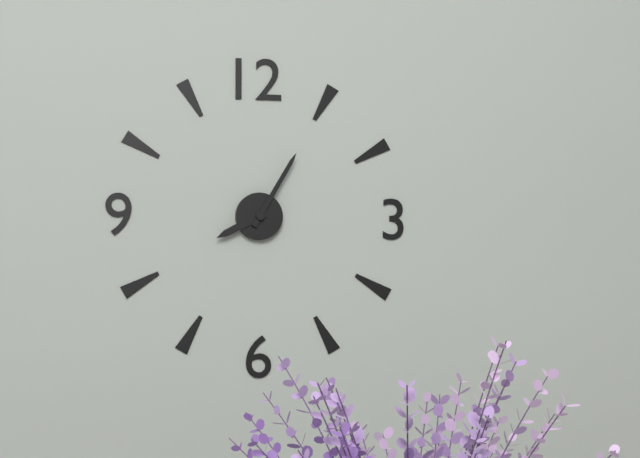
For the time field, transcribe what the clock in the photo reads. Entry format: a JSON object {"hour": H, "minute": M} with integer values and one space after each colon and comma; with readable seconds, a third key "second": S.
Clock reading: {"hour": 8, "minute": 5}
